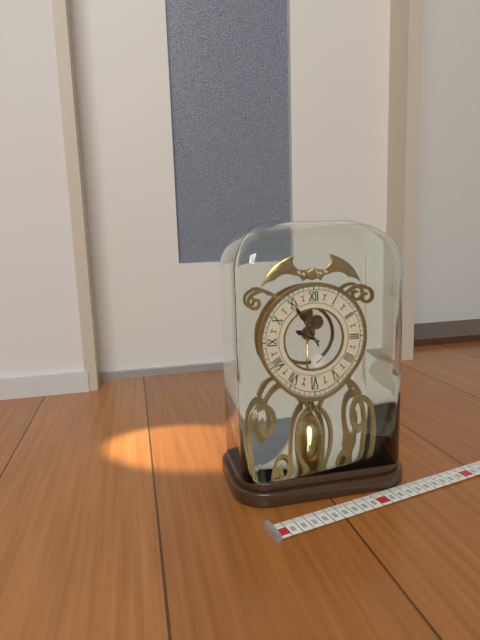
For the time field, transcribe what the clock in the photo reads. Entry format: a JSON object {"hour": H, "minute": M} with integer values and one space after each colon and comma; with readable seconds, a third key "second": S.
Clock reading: {"hour": 9, "minute": 55}
